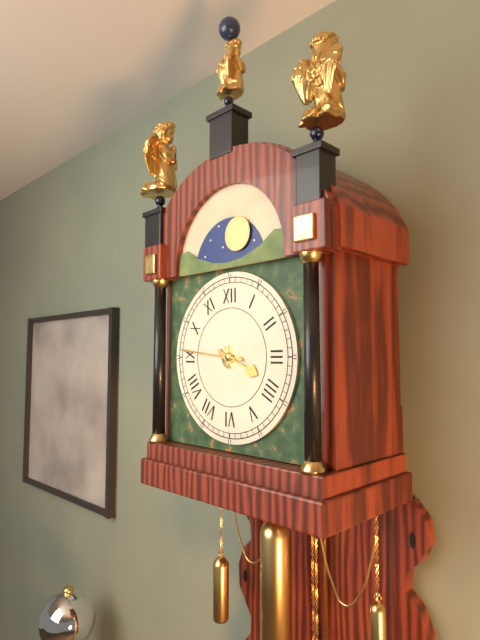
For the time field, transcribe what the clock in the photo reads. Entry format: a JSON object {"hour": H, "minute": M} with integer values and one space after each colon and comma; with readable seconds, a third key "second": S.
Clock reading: {"hour": 3, "minute": 46}
